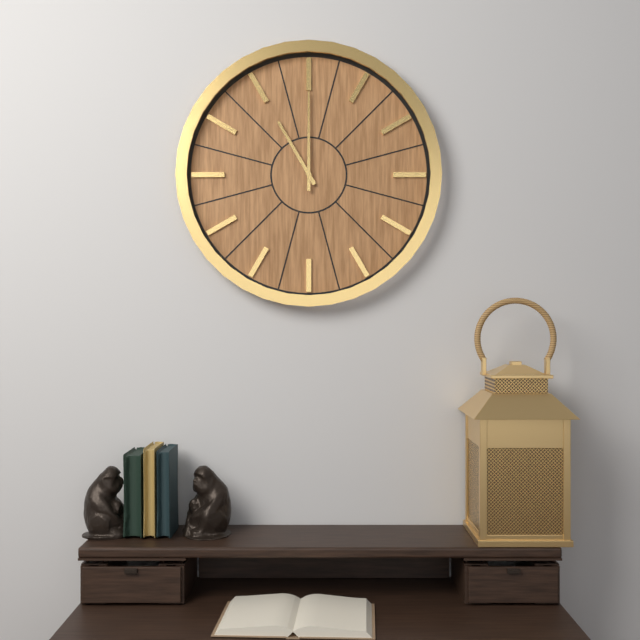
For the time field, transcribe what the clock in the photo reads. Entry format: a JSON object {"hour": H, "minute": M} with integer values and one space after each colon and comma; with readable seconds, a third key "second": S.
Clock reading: {"hour": 11, "minute": 0}
